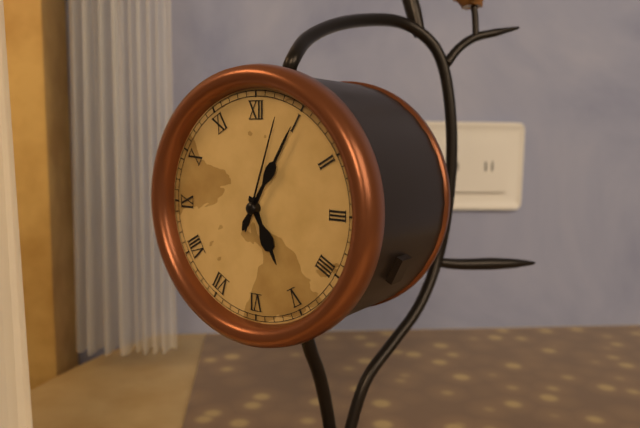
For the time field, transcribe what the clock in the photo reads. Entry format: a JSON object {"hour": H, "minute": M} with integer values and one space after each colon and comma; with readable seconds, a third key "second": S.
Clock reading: {"hour": 5, "minute": 5, "second": 3}
